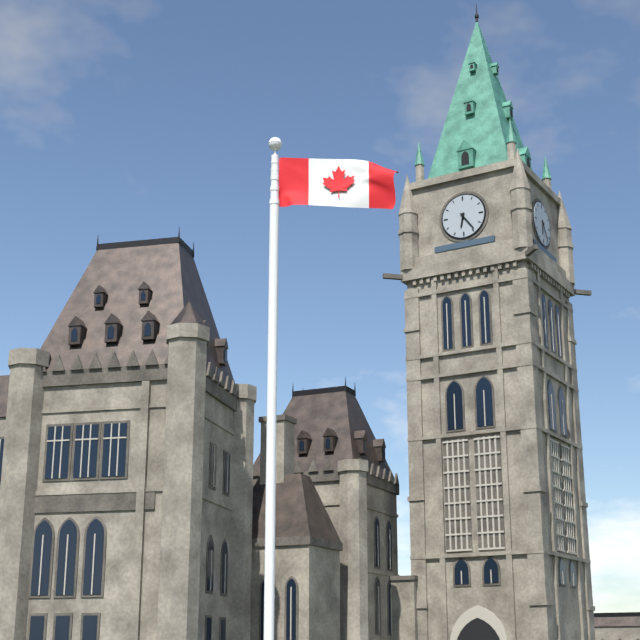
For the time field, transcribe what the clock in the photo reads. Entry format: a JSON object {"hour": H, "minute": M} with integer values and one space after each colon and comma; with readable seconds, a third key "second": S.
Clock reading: {"hour": 6, "minute": 24}
